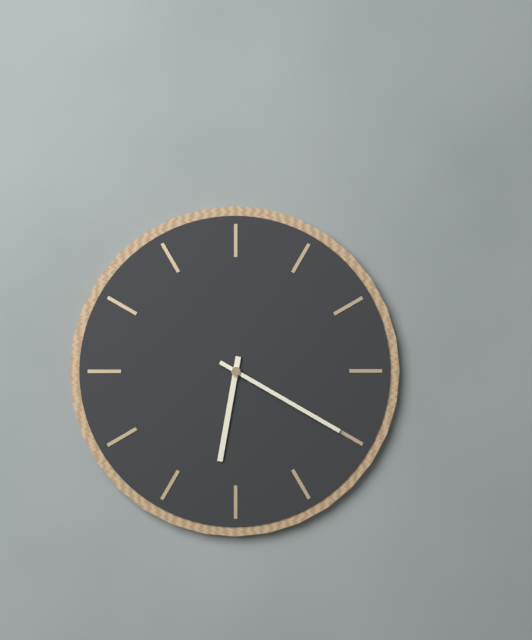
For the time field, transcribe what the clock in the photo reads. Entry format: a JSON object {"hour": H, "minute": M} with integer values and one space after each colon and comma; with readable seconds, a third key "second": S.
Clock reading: {"hour": 6, "minute": 20}
